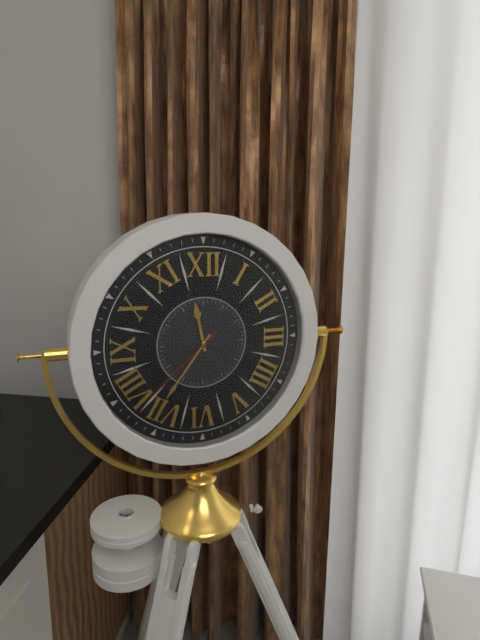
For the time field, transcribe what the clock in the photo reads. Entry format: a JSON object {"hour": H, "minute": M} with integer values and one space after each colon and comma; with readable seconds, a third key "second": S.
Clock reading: {"hour": 11, "minute": 36, "second": 38}
